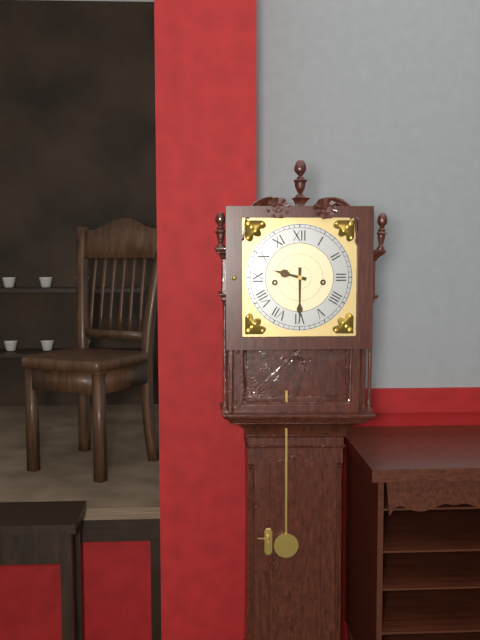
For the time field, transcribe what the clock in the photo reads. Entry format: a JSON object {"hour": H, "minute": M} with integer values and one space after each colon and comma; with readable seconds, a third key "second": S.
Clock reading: {"hour": 9, "minute": 30}
